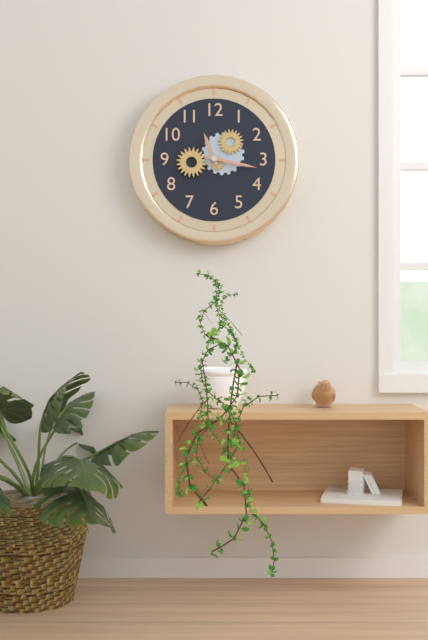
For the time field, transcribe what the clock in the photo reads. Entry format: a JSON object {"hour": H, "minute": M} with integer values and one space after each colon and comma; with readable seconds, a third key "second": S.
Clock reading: {"hour": 11, "minute": 17}
